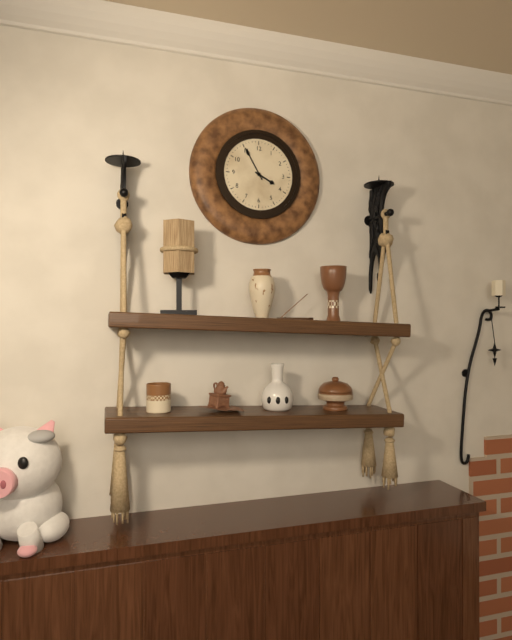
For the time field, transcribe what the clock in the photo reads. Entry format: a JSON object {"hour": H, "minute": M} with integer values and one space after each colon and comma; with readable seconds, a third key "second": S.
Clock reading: {"hour": 3, "minute": 55}
